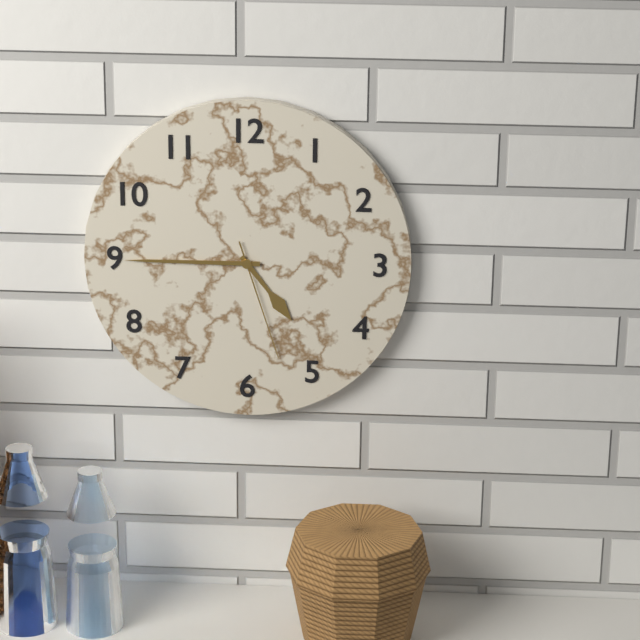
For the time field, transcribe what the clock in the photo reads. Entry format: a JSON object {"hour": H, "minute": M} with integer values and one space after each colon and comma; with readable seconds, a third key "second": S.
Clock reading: {"hour": 4, "minute": 45, "second": 27}
